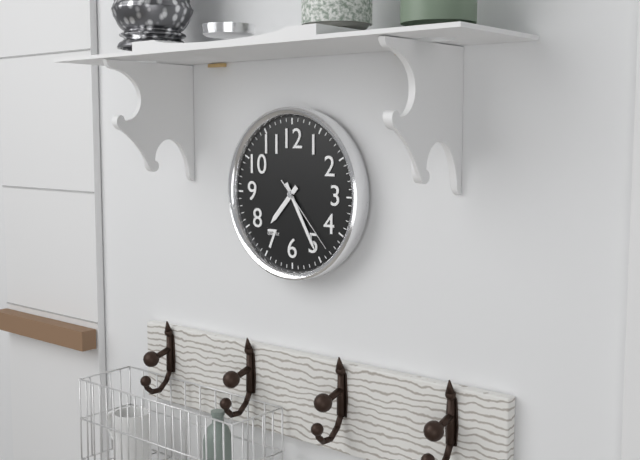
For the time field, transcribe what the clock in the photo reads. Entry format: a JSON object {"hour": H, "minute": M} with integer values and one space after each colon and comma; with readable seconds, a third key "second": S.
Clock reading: {"hour": 7, "minute": 25, "second": 23}
